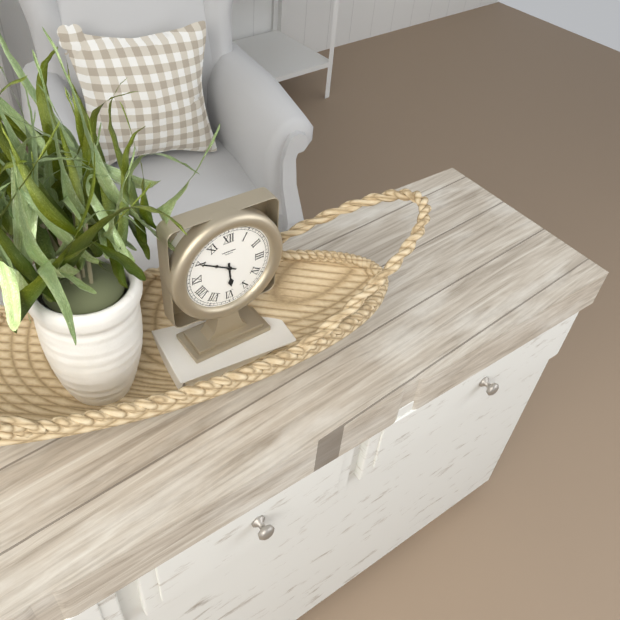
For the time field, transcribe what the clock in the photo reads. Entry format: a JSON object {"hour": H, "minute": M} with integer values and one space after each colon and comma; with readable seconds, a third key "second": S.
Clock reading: {"hour": 5, "minute": 50}
